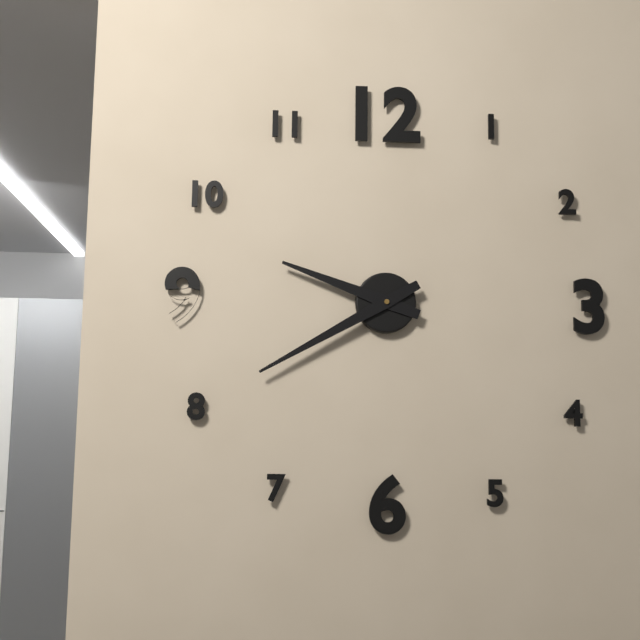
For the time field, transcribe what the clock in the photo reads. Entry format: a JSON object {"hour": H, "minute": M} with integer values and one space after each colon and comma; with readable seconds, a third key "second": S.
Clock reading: {"hour": 9, "minute": 40}
